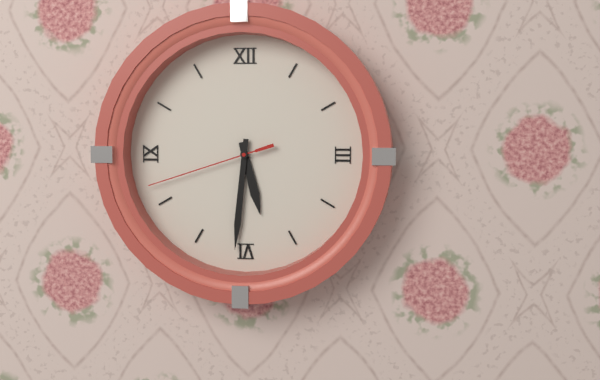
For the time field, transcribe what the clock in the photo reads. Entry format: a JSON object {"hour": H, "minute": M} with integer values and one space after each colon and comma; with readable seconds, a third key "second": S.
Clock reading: {"hour": 5, "minute": 31, "second": 42}
